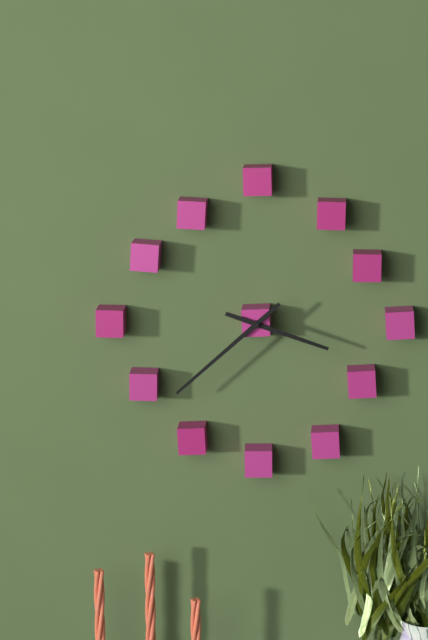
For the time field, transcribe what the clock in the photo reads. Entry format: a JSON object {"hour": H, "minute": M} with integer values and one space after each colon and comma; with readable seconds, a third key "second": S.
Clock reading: {"hour": 3, "minute": 38}
